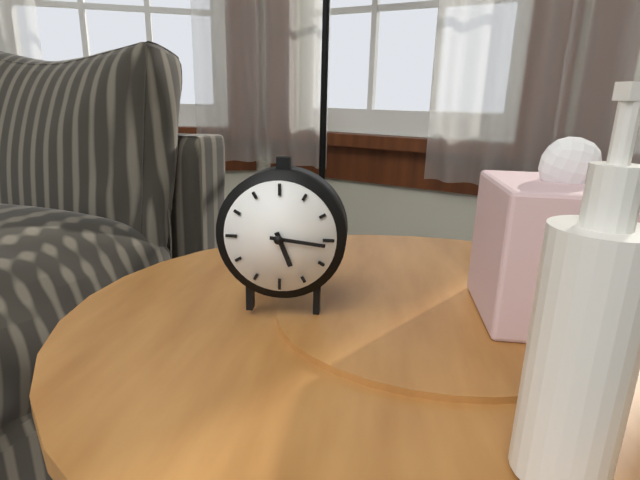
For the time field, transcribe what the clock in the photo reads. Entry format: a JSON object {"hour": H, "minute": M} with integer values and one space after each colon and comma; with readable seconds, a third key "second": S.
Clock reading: {"hour": 5, "minute": 16}
